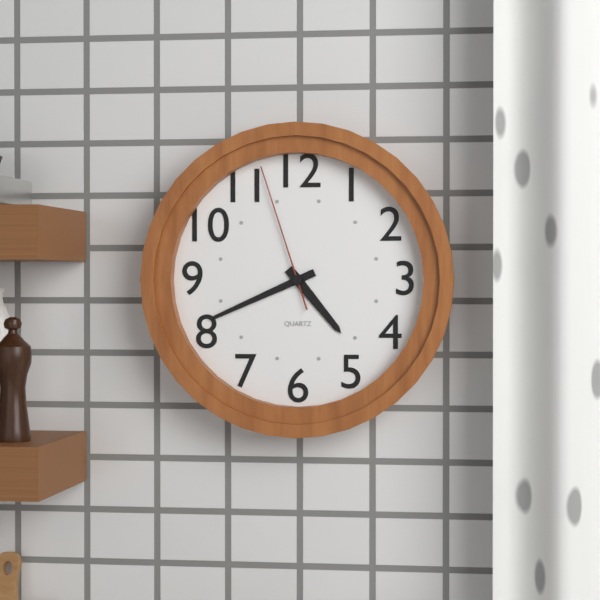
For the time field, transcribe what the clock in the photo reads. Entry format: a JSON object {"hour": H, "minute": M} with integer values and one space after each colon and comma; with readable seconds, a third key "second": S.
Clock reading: {"hour": 4, "minute": 41, "second": 57}
